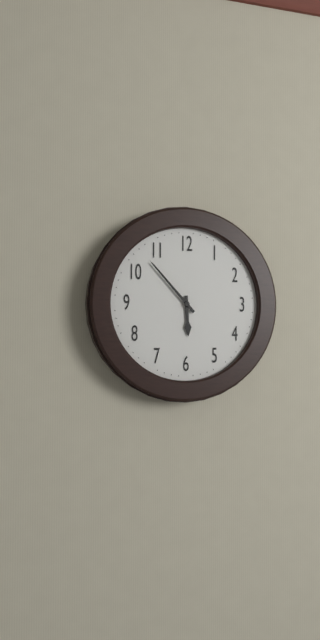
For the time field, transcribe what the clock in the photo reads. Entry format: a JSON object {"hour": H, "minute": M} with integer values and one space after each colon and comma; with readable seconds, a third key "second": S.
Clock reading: {"hour": 5, "minute": 53}
